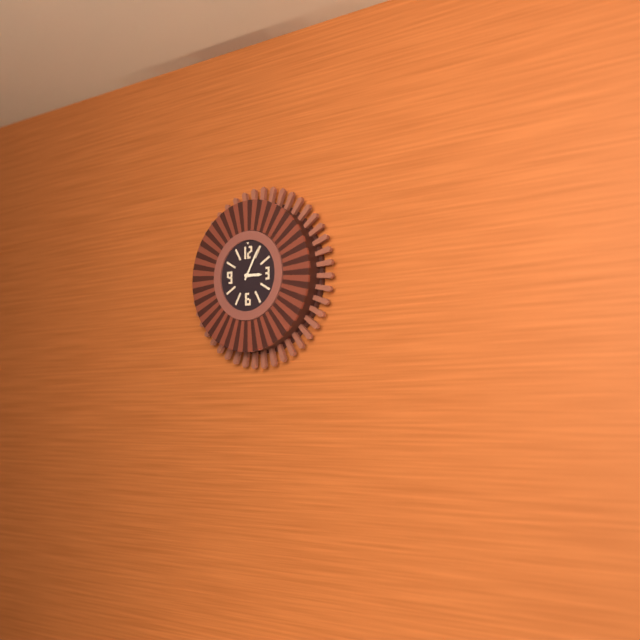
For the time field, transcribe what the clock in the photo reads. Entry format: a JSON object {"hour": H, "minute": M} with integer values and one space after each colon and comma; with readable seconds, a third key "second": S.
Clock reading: {"hour": 3, "minute": 5}
